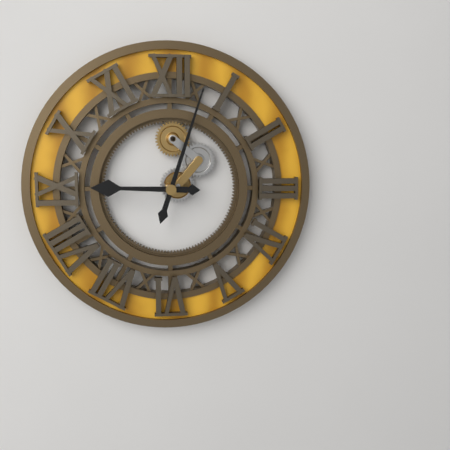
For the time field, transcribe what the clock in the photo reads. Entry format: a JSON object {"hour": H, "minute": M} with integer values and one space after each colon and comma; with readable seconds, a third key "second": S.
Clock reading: {"hour": 9, "minute": 3}
